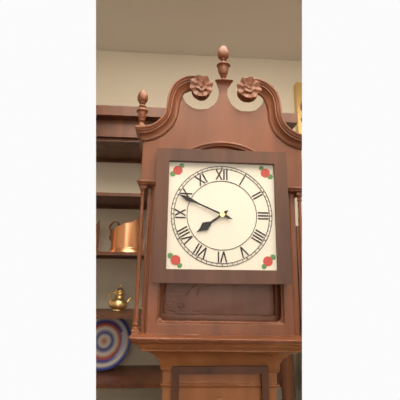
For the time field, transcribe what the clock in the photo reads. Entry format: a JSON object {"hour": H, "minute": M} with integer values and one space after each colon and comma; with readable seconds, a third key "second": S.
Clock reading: {"hour": 7, "minute": 49}
